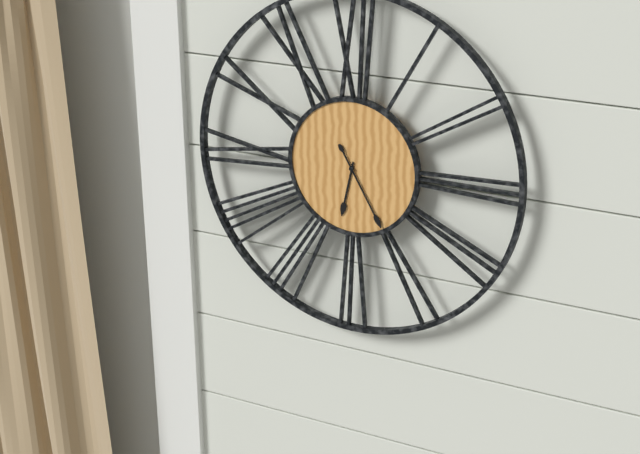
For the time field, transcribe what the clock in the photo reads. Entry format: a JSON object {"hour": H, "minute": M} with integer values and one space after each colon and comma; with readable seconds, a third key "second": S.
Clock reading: {"hour": 6, "minute": 25}
